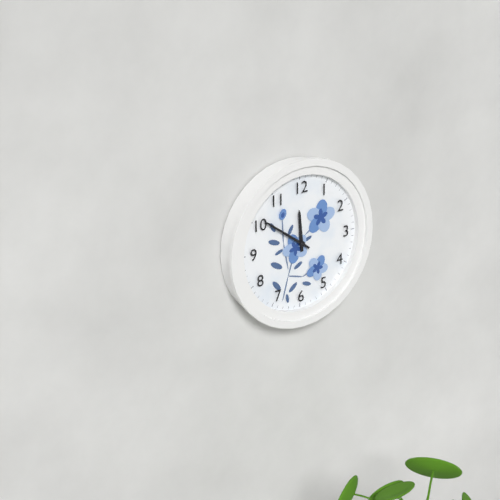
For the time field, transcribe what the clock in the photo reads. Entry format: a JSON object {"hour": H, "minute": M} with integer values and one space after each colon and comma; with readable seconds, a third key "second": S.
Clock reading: {"hour": 11, "minute": 51}
